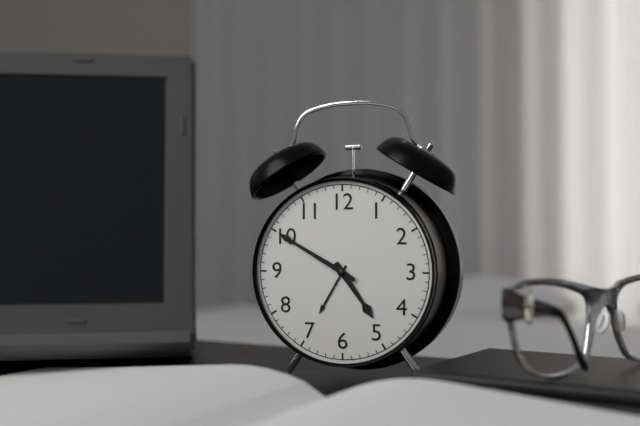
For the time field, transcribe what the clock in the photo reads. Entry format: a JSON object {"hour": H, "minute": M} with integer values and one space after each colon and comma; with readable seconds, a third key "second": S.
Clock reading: {"hour": 4, "minute": 50}
